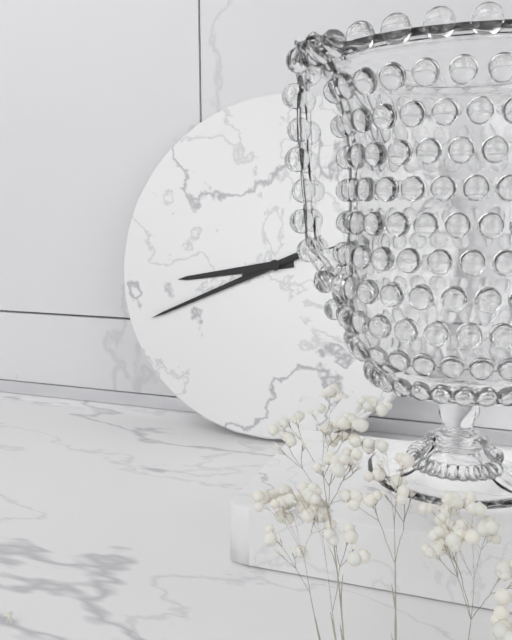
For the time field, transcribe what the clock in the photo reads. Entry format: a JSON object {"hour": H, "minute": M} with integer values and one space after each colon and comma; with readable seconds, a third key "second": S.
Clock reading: {"hour": 8, "minute": 41, "second": 12}
